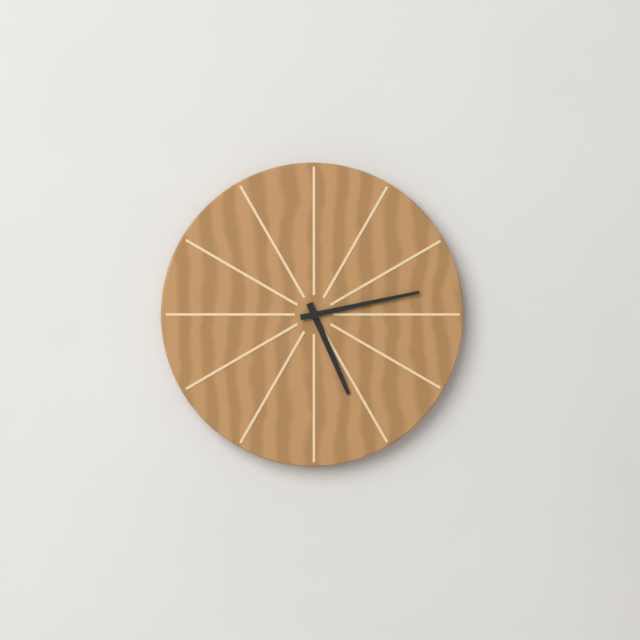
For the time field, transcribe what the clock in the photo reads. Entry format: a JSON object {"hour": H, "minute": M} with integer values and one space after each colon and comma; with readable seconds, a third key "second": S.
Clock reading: {"hour": 5, "minute": 13}
